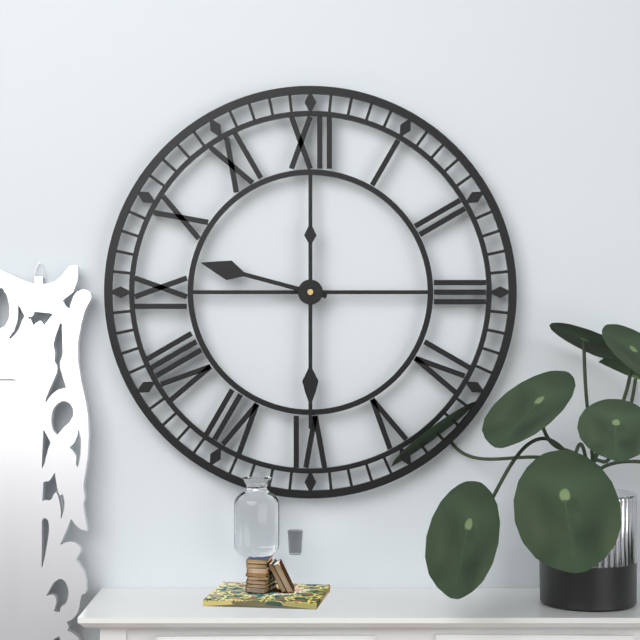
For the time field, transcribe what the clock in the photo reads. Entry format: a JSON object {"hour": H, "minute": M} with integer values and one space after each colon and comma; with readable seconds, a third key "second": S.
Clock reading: {"hour": 9, "minute": 30}
